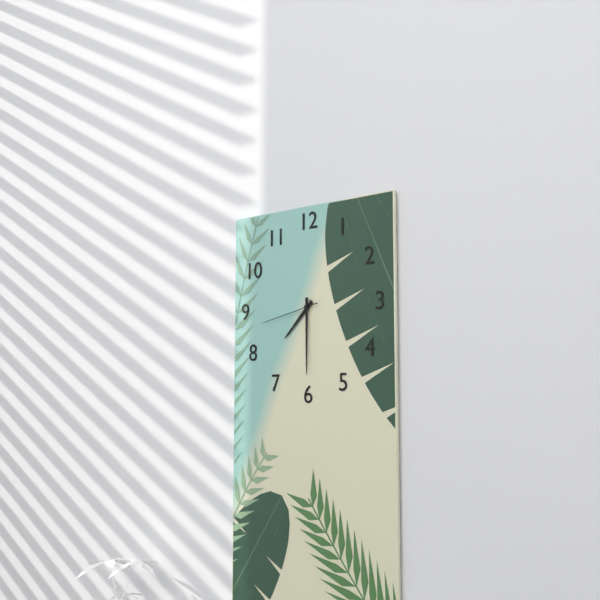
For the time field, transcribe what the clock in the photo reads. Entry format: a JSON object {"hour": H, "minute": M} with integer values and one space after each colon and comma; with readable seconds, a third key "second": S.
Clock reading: {"hour": 7, "minute": 30, "second": 43}
